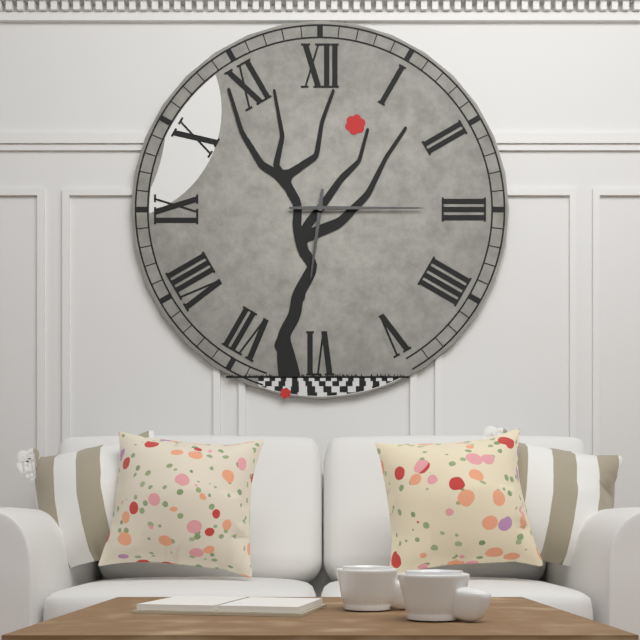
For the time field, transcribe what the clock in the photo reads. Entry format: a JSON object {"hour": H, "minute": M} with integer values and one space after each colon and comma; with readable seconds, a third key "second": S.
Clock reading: {"hour": 6, "minute": 15}
